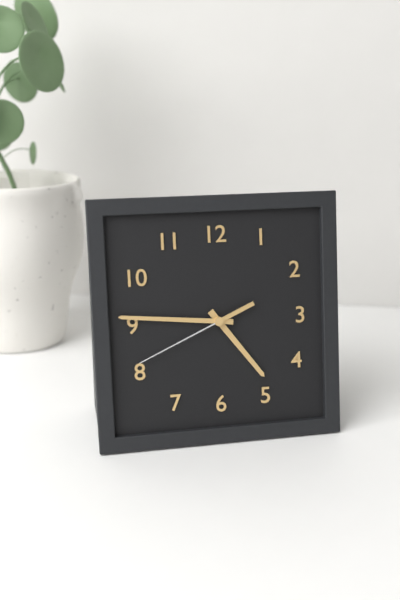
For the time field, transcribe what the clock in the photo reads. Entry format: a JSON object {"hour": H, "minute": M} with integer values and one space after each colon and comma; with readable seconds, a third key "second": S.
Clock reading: {"hour": 4, "minute": 46, "second": 41}
